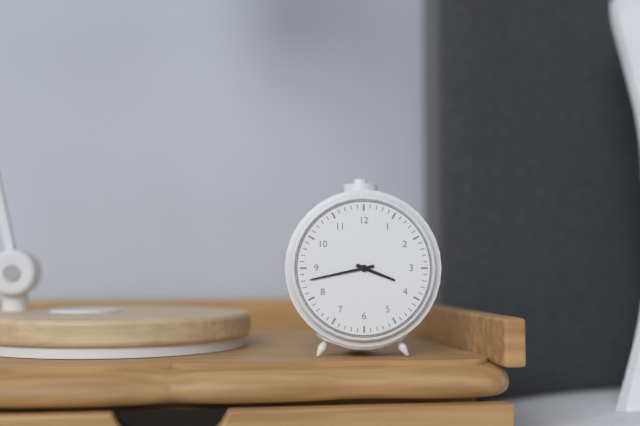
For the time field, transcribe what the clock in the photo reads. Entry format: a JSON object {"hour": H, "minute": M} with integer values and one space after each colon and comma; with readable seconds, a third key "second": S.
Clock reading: {"hour": 3, "minute": 43}
